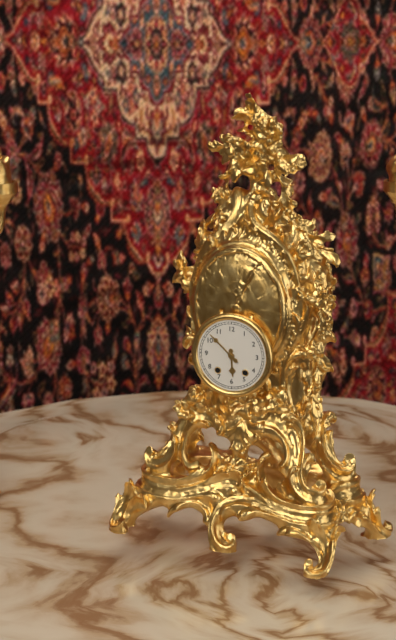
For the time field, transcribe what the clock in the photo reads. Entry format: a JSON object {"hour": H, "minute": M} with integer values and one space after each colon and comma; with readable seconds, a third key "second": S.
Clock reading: {"hour": 5, "minute": 52}
